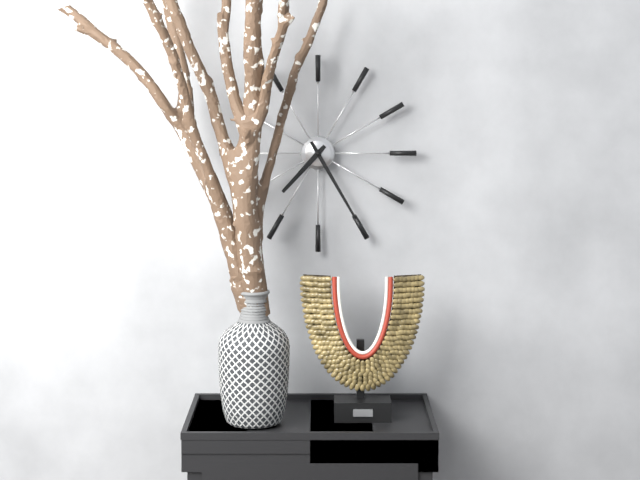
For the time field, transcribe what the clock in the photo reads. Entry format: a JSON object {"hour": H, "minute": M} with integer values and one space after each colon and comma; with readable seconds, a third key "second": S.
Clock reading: {"hour": 7, "minute": 25}
